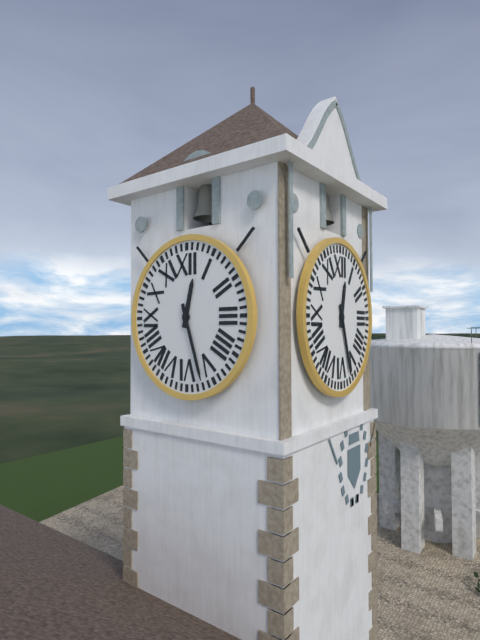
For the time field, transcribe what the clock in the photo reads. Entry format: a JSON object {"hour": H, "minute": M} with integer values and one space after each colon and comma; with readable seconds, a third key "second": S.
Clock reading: {"hour": 12, "minute": 27}
